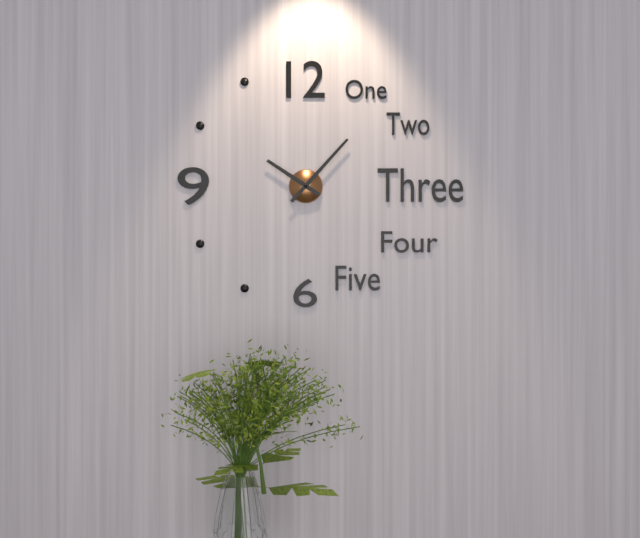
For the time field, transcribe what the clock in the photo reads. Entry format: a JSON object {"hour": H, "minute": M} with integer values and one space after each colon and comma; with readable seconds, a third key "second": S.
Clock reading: {"hour": 10, "minute": 7}
